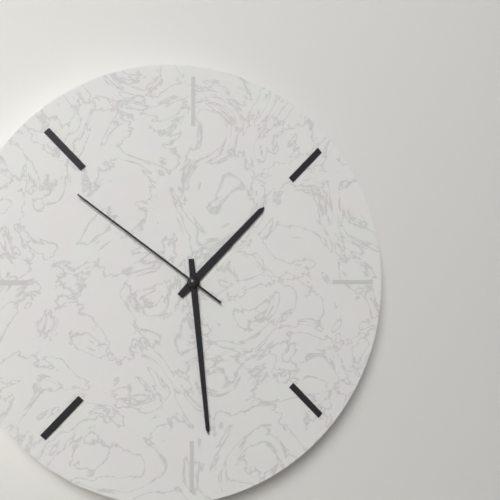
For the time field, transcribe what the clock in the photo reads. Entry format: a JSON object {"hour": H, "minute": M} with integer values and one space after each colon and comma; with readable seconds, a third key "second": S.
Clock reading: {"hour": 1, "minute": 29, "second": 51}
